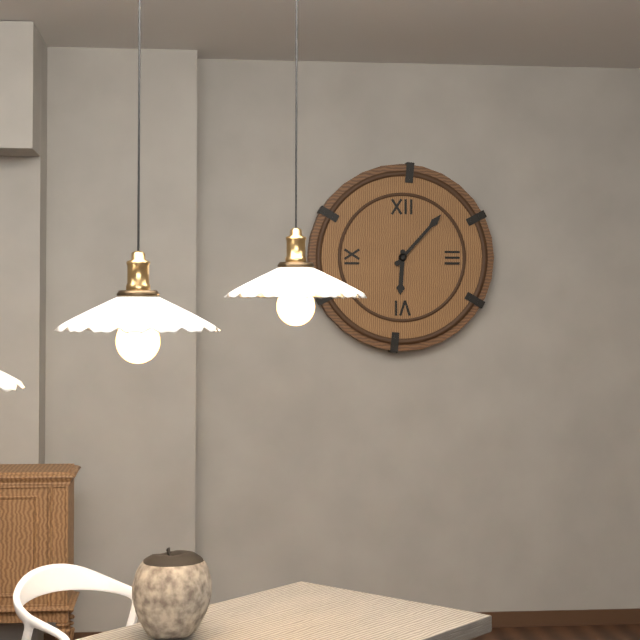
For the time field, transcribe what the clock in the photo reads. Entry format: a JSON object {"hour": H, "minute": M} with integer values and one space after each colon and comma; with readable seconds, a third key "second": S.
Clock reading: {"hour": 6, "minute": 7}
